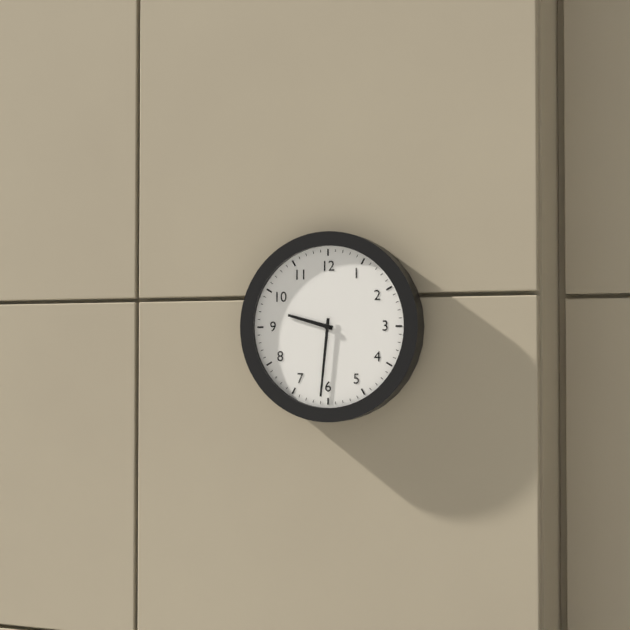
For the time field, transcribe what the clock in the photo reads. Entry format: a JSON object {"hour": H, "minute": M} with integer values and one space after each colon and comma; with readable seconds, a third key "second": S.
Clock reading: {"hour": 9, "minute": 31}
